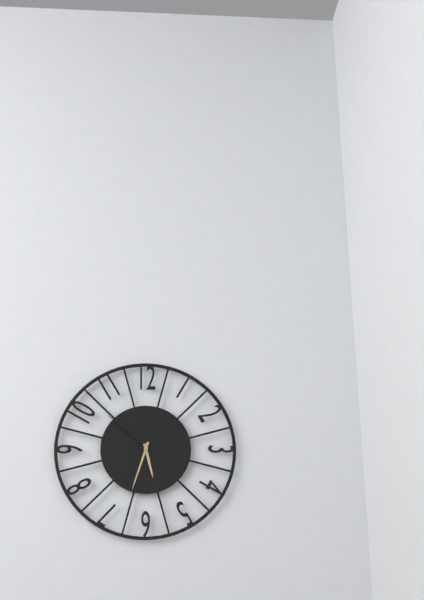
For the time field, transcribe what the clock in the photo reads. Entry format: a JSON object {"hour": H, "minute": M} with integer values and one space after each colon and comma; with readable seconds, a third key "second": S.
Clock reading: {"hour": 5, "minute": 33, "second": 52}
